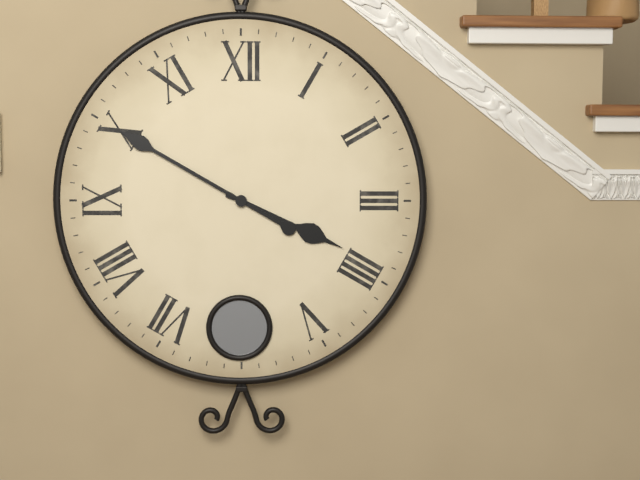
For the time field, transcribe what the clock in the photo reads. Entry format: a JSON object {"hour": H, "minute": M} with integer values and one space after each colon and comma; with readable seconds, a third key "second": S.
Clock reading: {"hour": 3, "minute": 50}
